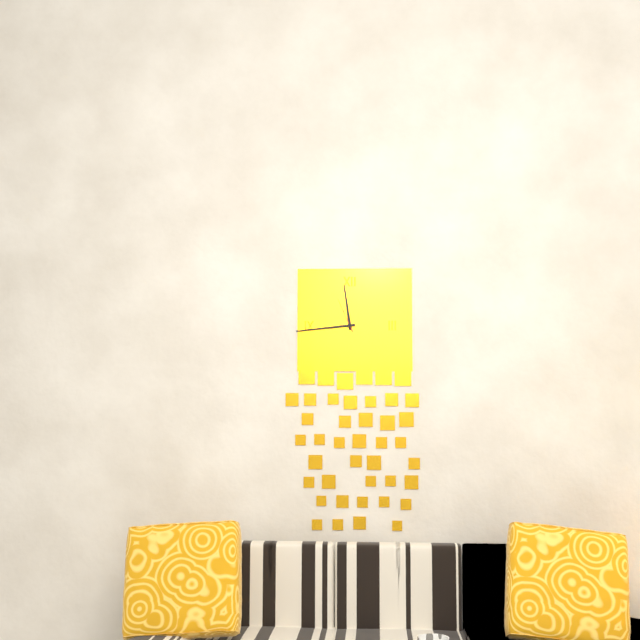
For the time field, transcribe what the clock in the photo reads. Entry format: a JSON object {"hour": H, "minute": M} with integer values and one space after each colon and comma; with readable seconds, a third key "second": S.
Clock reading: {"hour": 11, "minute": 44}
